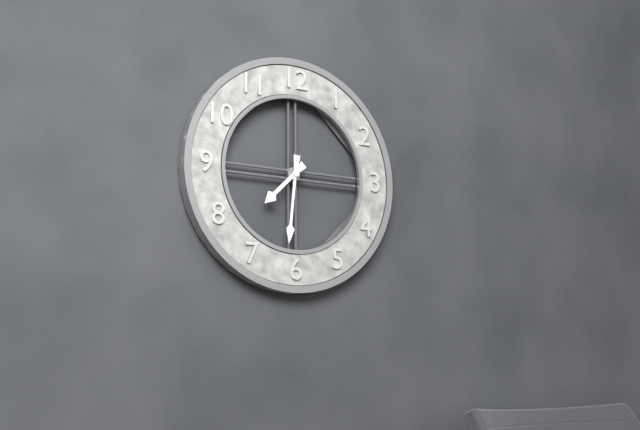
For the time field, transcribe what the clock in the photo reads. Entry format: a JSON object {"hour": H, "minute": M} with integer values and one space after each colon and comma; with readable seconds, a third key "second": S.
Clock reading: {"hour": 7, "minute": 31}
